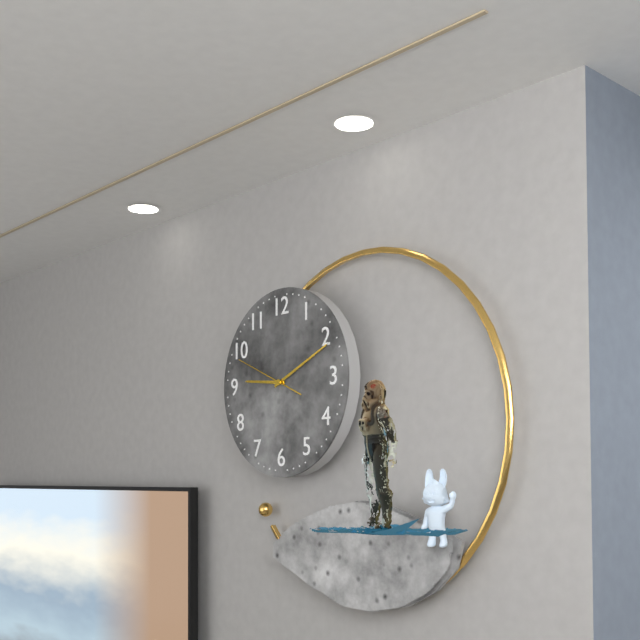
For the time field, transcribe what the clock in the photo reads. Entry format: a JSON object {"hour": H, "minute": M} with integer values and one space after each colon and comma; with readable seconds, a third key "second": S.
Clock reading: {"hour": 9, "minute": 11, "second": 49}
